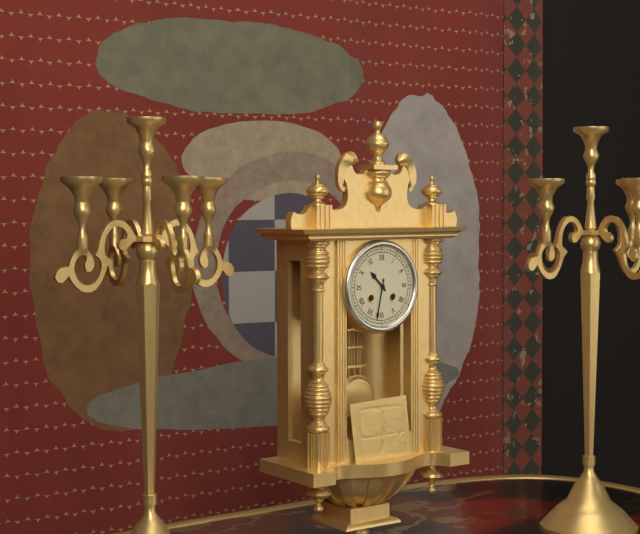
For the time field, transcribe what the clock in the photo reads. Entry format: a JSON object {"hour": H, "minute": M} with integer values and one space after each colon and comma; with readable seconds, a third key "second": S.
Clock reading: {"hour": 10, "minute": 32}
